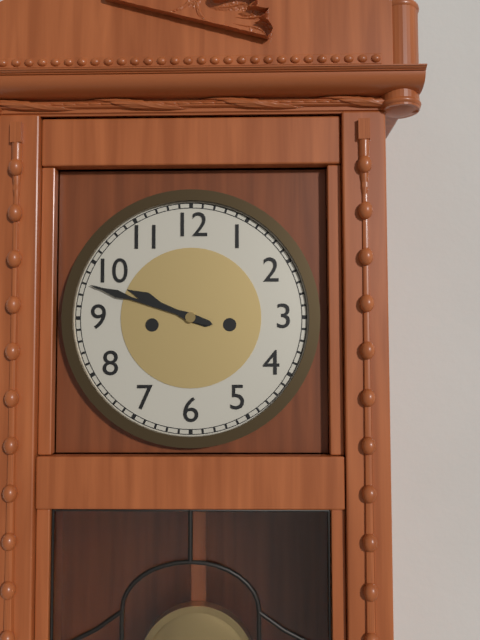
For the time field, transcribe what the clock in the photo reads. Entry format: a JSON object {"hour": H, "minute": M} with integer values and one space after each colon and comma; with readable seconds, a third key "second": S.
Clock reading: {"hour": 9, "minute": 48}
